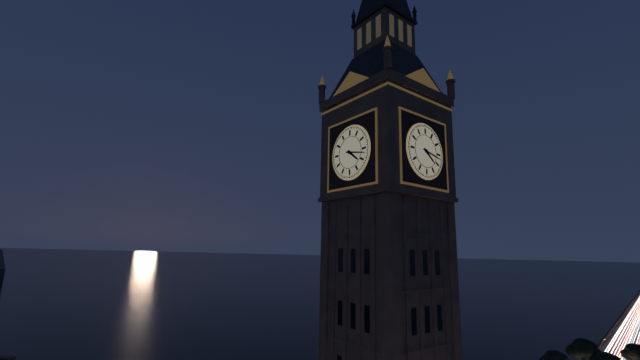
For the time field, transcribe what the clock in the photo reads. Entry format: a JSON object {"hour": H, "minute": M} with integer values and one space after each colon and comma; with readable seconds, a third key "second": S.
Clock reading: {"hour": 4, "minute": 17}
